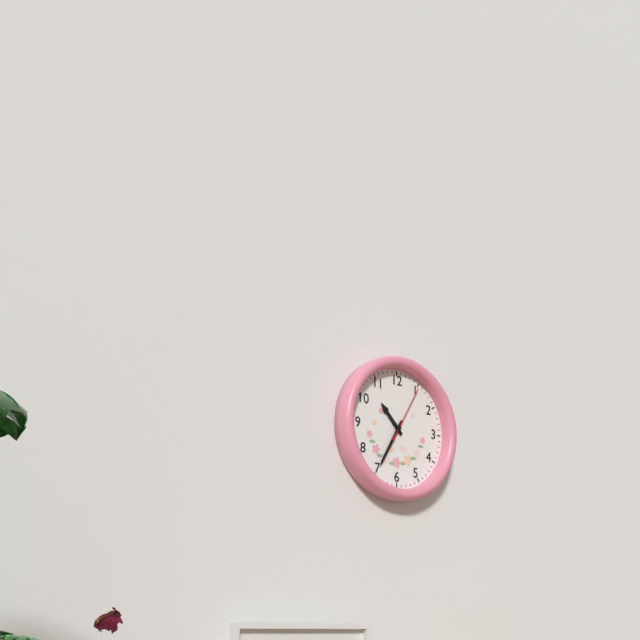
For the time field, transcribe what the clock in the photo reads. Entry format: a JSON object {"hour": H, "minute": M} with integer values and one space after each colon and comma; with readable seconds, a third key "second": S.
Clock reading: {"hour": 10, "minute": 35, "second": 5}
